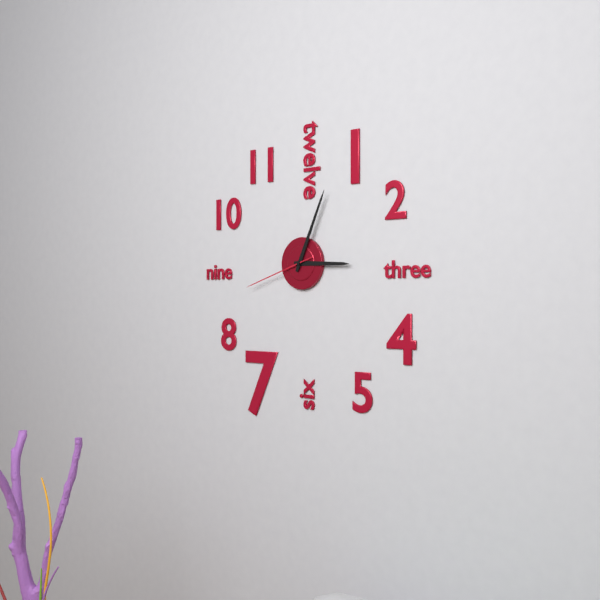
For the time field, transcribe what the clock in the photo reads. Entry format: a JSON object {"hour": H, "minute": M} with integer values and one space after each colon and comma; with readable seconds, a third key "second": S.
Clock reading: {"hour": 3, "minute": 4, "second": 42}
